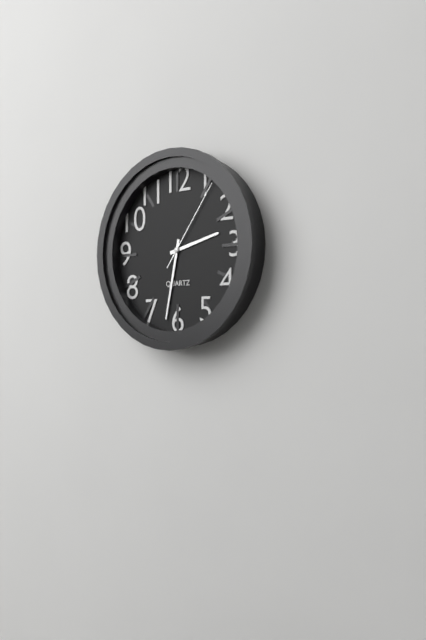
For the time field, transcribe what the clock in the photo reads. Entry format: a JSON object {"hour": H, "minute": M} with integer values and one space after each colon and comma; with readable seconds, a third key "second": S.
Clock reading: {"hour": 2, "minute": 32, "second": 6}
